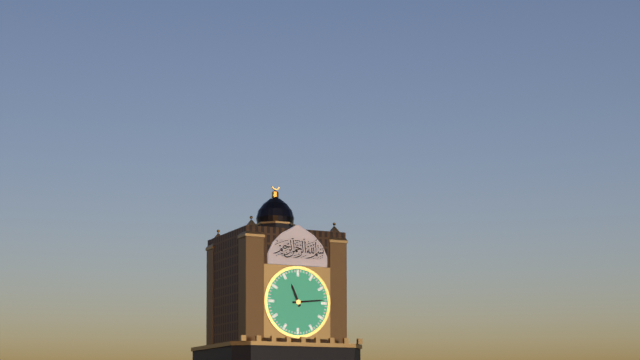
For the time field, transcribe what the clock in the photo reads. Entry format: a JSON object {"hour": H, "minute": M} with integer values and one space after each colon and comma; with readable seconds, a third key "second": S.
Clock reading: {"hour": 11, "minute": 14}
